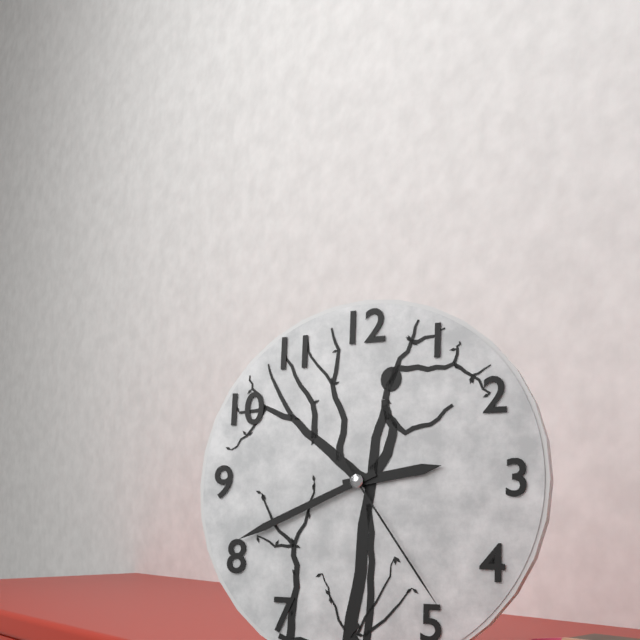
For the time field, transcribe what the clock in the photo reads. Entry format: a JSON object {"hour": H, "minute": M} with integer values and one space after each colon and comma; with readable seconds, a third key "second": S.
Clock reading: {"hour": 2, "minute": 41, "second": 24}
